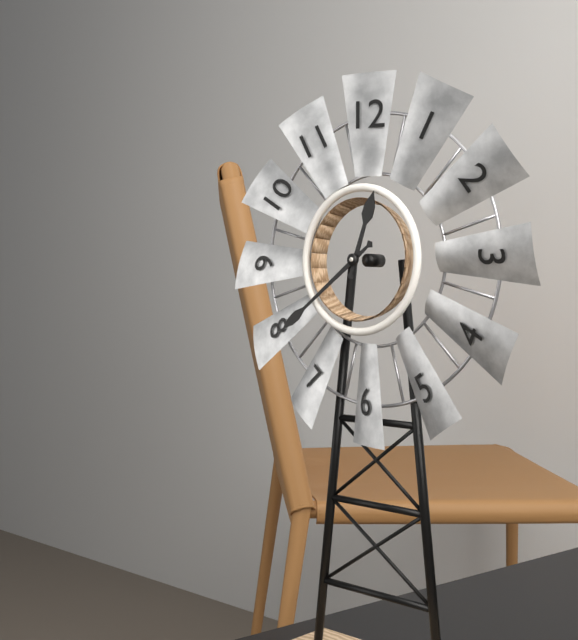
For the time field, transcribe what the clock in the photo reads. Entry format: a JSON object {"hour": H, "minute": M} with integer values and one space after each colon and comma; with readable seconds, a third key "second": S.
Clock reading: {"hour": 12, "minute": 39}
